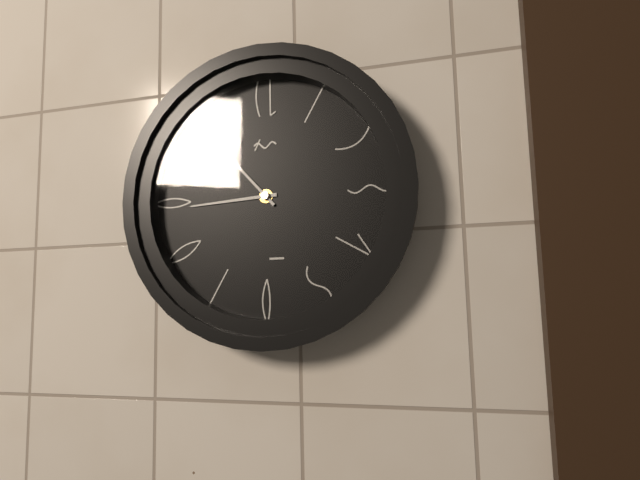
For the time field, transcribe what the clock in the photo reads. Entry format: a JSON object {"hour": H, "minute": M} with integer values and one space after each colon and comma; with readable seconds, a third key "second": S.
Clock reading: {"hour": 8, "minute": 53}
